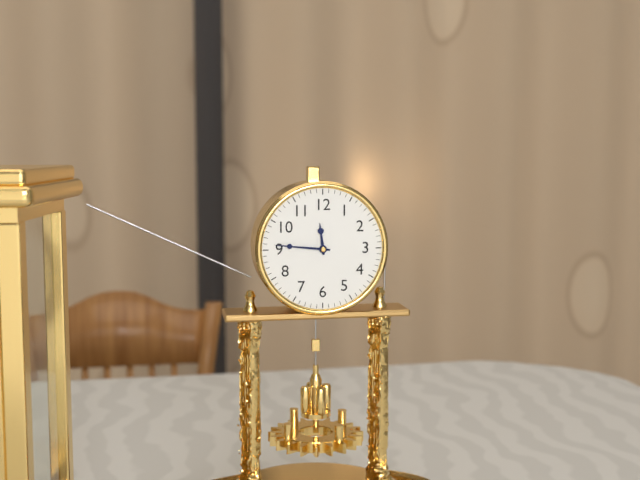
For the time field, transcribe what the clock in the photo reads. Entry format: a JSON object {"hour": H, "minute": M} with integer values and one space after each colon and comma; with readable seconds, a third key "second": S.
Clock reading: {"hour": 11, "minute": 46}
